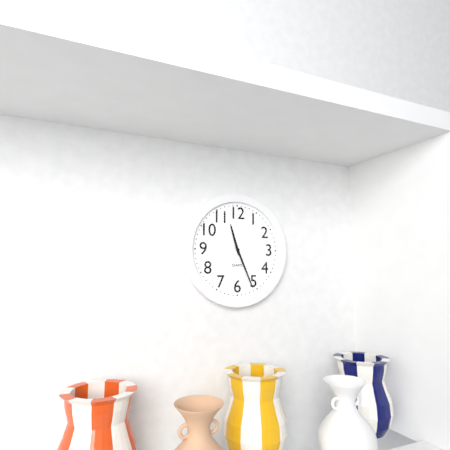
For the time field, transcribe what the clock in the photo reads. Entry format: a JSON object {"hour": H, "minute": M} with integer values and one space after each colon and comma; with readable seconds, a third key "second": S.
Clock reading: {"hour": 11, "minute": 26}
